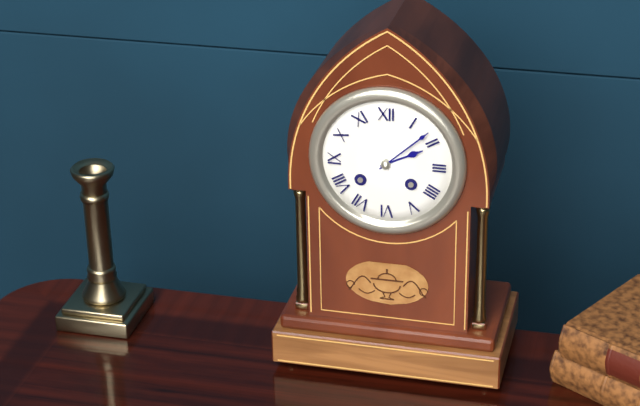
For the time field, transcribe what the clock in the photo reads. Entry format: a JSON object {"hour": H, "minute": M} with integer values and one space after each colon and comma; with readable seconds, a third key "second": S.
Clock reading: {"hour": 2, "minute": 8}
